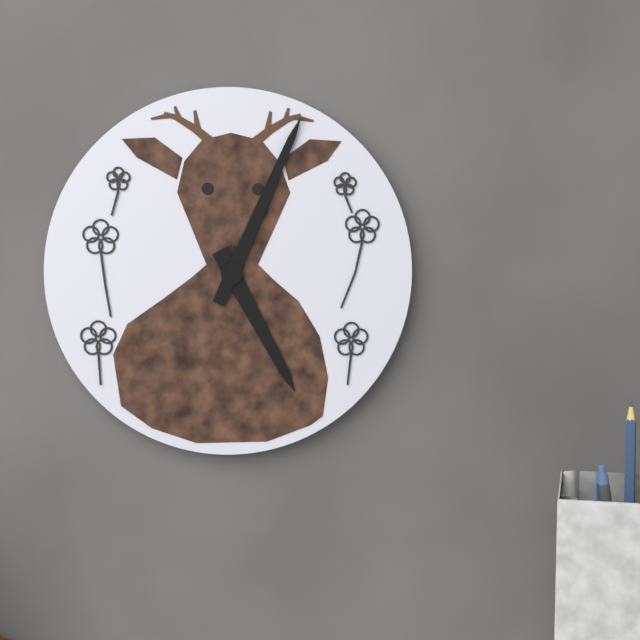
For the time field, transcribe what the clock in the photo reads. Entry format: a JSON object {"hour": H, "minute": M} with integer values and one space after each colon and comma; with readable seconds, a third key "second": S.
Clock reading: {"hour": 5, "minute": 4}
